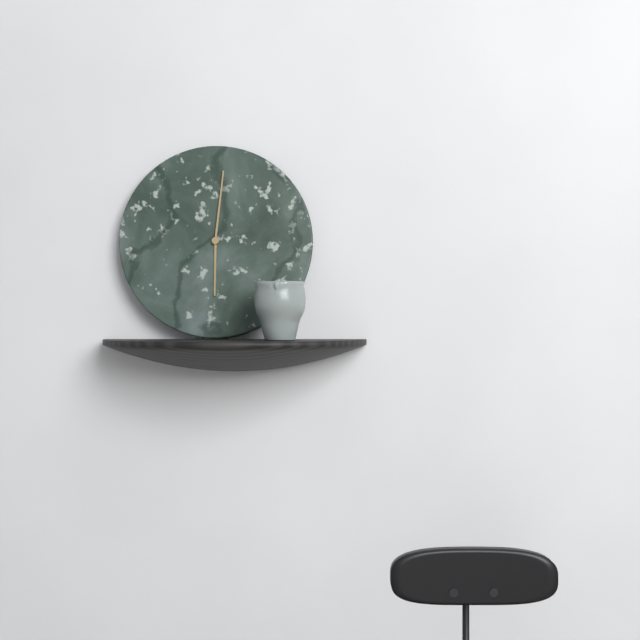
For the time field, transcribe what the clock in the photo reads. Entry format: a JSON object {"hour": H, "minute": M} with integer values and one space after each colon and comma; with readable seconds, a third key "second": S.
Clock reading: {"hour": 6, "minute": 1}
